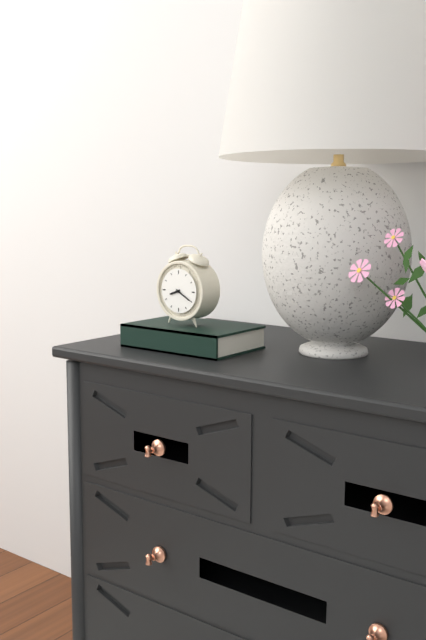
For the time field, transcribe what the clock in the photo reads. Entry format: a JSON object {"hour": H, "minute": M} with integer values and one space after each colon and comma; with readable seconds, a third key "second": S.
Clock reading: {"hour": 8, "minute": 20}
